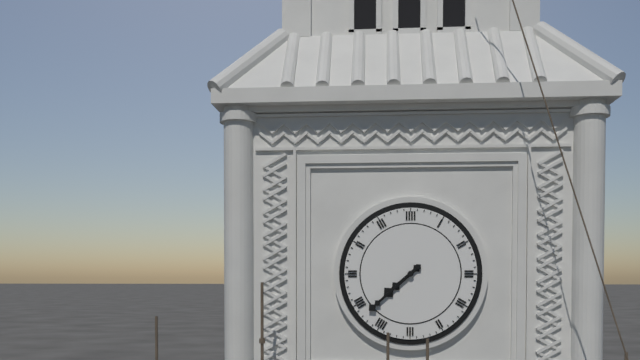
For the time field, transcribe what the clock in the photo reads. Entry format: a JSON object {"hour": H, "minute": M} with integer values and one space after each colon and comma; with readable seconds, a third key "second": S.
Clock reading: {"hour": 7, "minute": 38}
